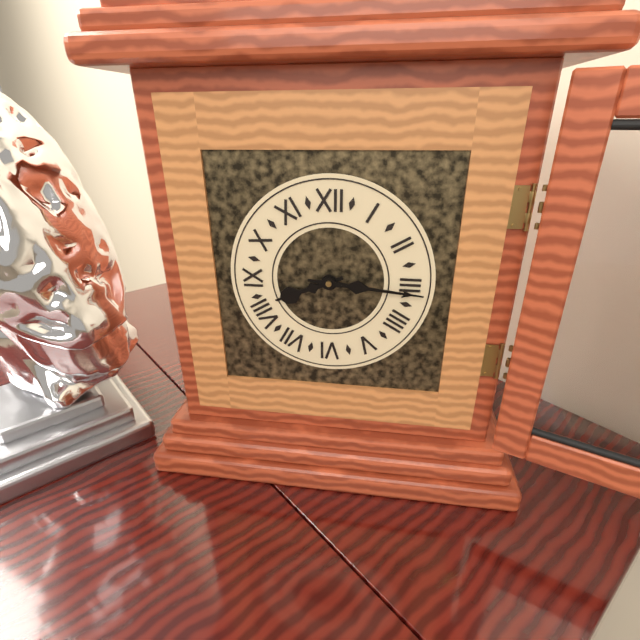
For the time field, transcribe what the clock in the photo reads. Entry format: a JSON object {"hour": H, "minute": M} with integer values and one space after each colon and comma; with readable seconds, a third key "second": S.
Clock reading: {"hour": 8, "minute": 16}
